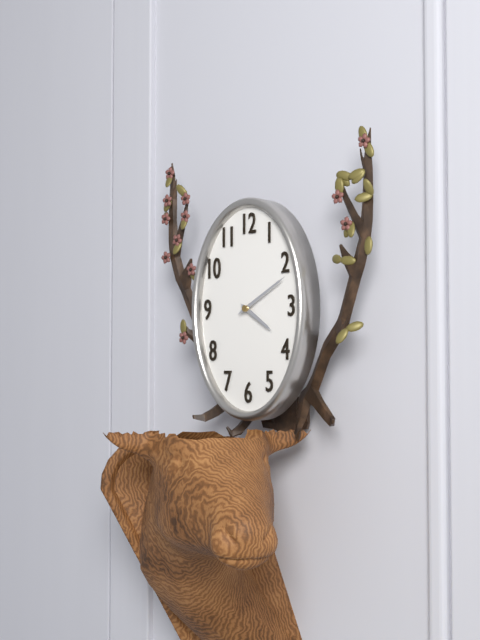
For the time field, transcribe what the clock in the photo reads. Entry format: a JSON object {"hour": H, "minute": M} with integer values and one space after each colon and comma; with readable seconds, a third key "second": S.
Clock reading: {"hour": 4, "minute": 10}
